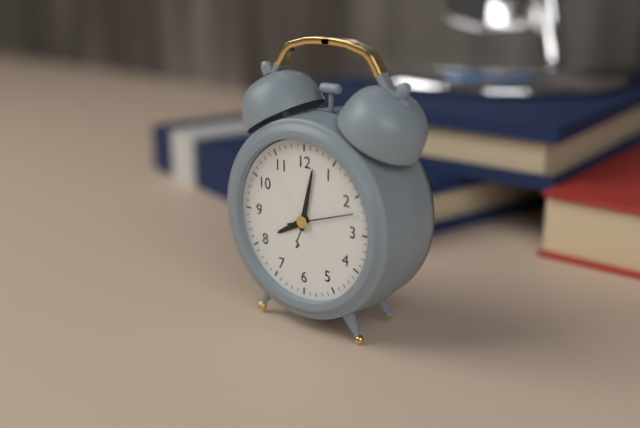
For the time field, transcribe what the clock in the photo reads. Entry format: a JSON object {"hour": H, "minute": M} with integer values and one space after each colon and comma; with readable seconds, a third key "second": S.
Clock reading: {"hour": 8, "minute": 2, "second": 12}
